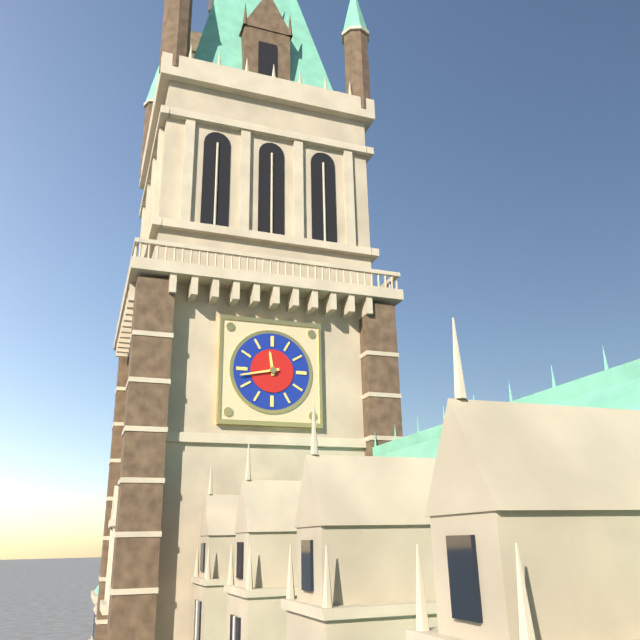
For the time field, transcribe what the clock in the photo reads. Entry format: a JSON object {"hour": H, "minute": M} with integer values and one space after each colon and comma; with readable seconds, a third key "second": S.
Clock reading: {"hour": 11, "minute": 43}
